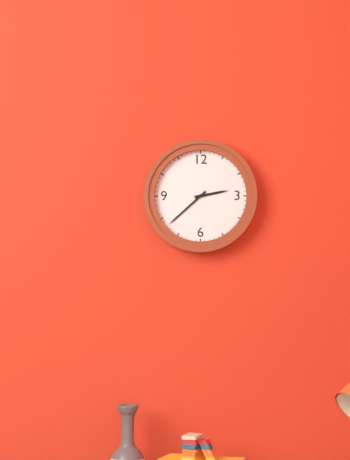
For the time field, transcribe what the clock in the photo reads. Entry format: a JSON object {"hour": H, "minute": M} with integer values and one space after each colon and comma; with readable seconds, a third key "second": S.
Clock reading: {"hour": 2, "minute": 38}
